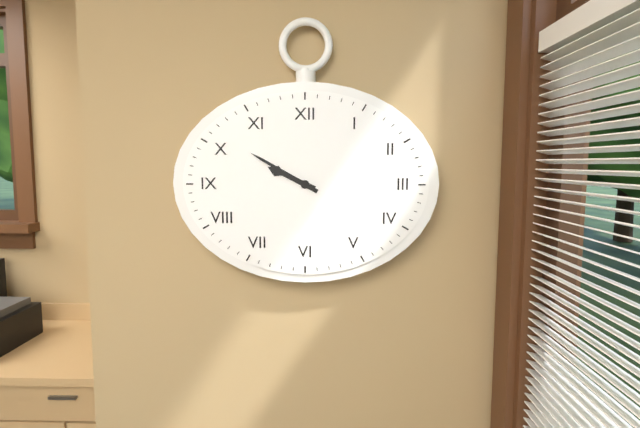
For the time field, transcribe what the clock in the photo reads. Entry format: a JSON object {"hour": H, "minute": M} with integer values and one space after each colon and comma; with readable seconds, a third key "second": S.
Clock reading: {"hour": 9, "minute": 50}
